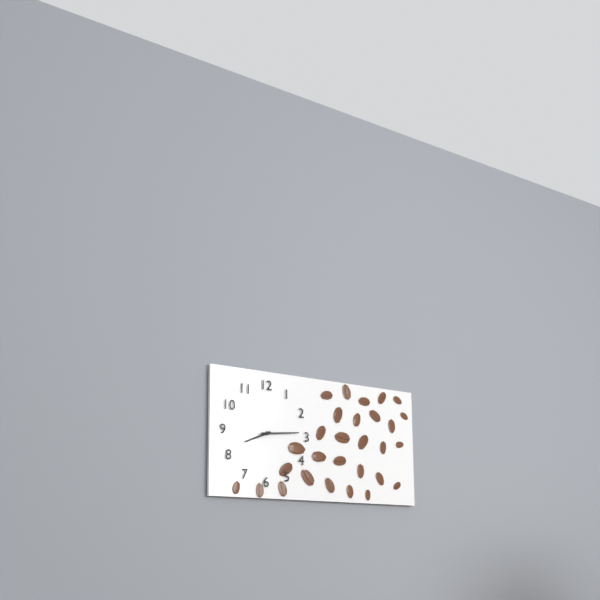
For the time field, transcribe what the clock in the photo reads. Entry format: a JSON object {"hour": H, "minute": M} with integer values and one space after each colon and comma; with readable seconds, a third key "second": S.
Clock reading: {"hour": 8, "minute": 14}
